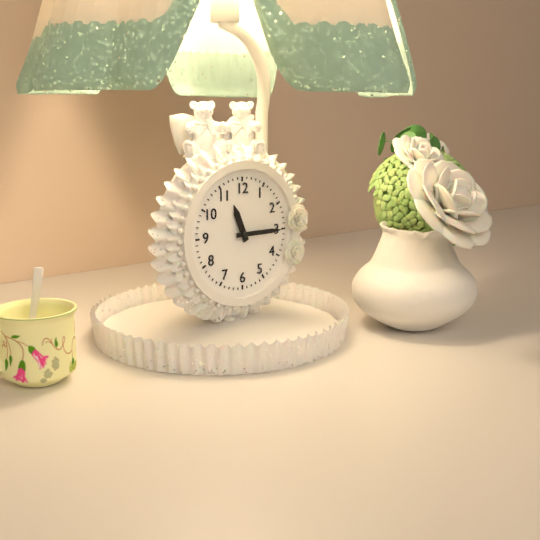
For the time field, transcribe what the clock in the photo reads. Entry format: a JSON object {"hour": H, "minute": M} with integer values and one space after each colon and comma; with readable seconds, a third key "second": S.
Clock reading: {"hour": 11, "minute": 15}
